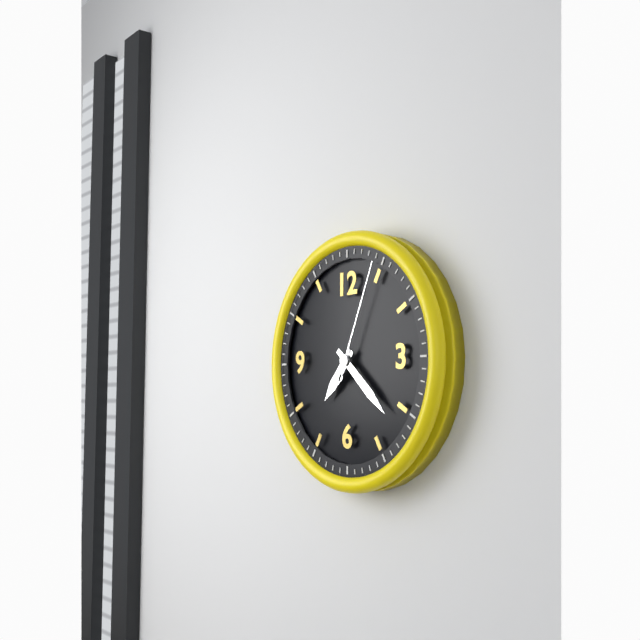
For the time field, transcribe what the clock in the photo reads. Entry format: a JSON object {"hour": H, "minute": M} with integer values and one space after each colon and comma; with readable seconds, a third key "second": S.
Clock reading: {"hour": 7, "minute": 22, "second": 4}
